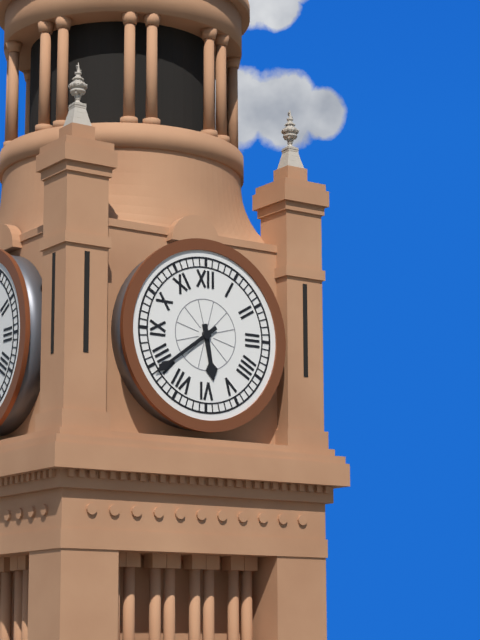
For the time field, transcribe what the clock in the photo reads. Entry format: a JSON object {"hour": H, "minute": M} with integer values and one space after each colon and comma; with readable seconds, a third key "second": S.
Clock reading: {"hour": 5, "minute": 39}
